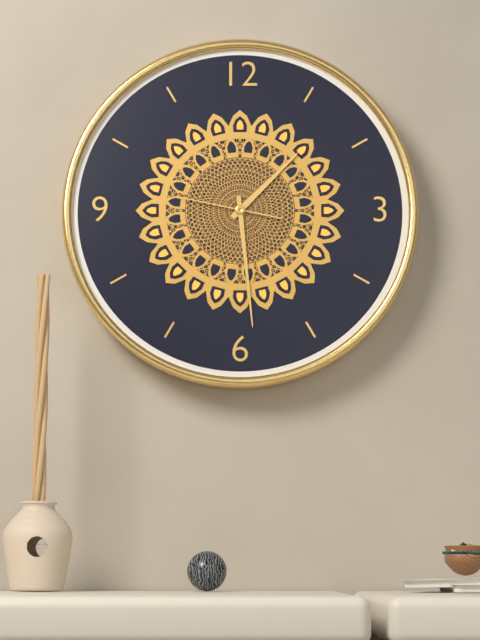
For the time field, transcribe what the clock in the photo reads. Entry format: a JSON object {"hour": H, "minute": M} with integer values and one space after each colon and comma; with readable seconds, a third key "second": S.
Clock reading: {"hour": 1, "minute": 29, "second": 47}
